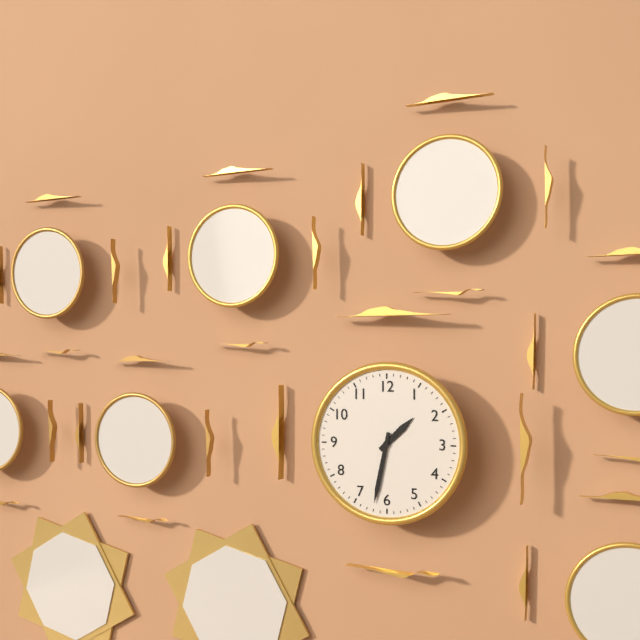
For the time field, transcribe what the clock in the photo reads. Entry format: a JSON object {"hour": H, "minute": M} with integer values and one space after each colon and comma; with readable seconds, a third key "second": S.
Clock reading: {"hour": 1, "minute": 32}
